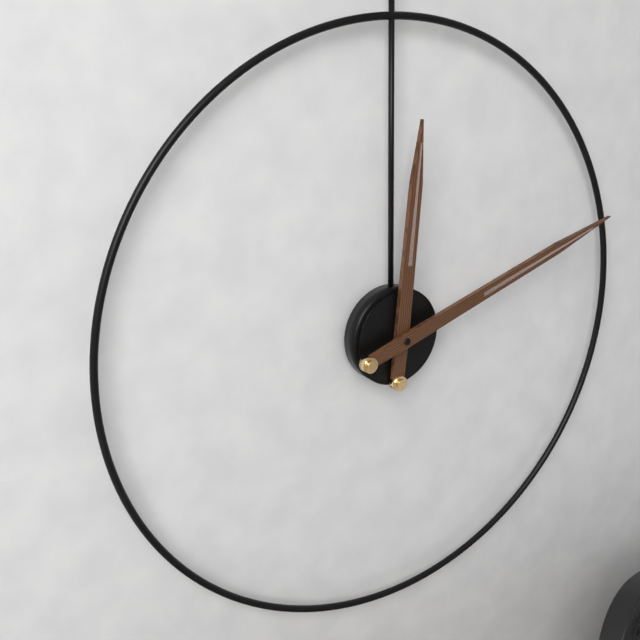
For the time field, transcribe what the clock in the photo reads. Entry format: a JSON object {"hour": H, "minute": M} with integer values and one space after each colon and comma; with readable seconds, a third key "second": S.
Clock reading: {"hour": 12, "minute": 12}
